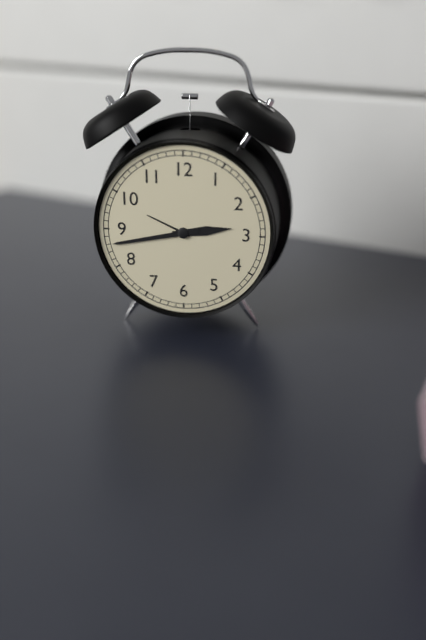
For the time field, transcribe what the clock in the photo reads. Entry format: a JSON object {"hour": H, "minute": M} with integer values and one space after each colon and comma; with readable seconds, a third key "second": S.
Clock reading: {"hour": 2, "minute": 43}
